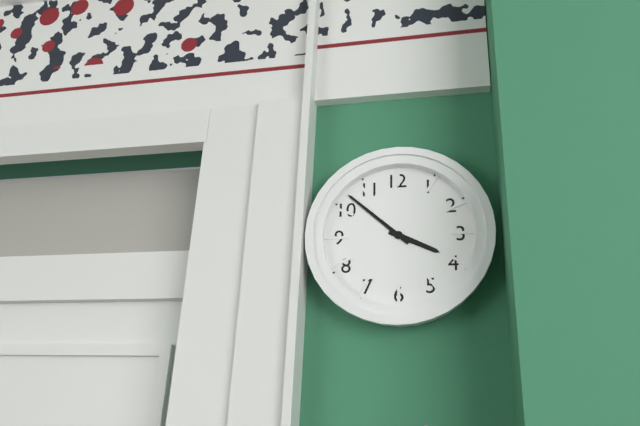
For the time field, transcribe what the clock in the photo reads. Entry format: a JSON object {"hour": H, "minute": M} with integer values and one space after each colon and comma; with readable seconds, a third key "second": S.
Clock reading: {"hour": 3, "minute": 52}
